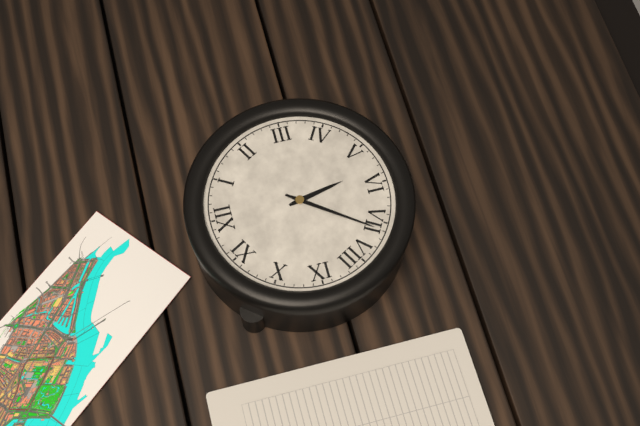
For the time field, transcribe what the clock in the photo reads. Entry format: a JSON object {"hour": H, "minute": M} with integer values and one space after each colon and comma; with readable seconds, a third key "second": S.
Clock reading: {"hour": 5, "minute": 36}
